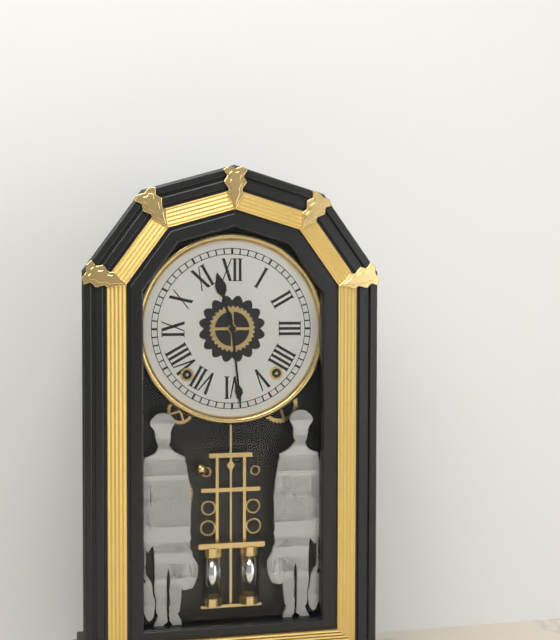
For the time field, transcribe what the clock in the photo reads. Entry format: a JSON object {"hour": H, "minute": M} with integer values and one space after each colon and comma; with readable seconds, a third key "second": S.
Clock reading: {"hour": 11, "minute": 29}
